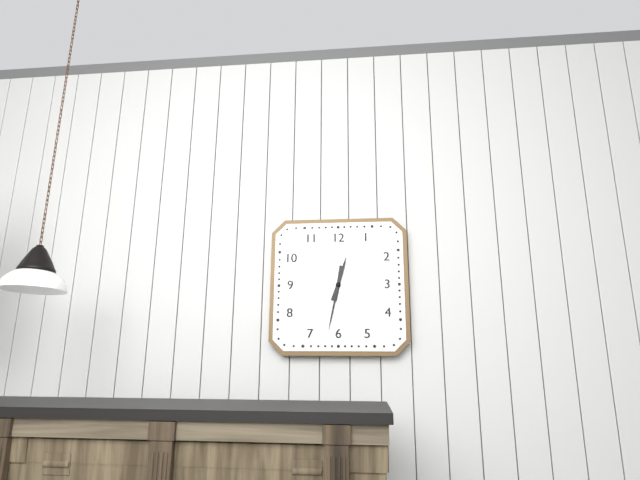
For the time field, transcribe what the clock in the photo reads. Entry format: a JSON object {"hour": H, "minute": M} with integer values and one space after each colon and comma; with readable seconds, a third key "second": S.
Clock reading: {"hour": 12, "minute": 32}
